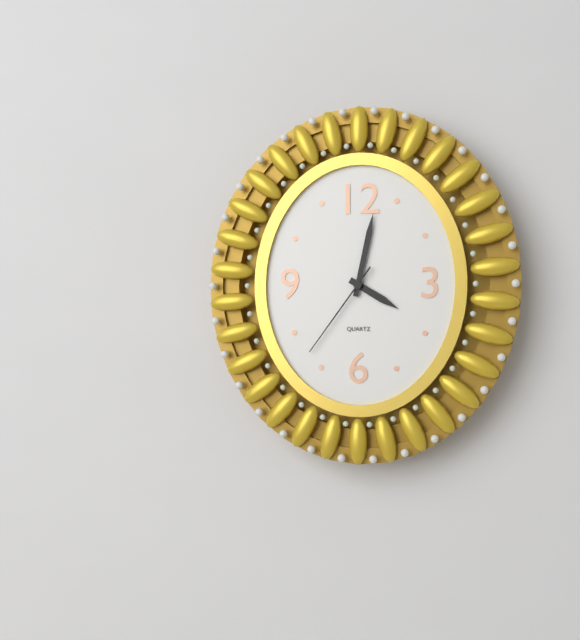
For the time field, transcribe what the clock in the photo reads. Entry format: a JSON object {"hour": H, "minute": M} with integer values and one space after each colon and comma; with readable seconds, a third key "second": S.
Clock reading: {"hour": 4, "minute": 2, "second": 36}
